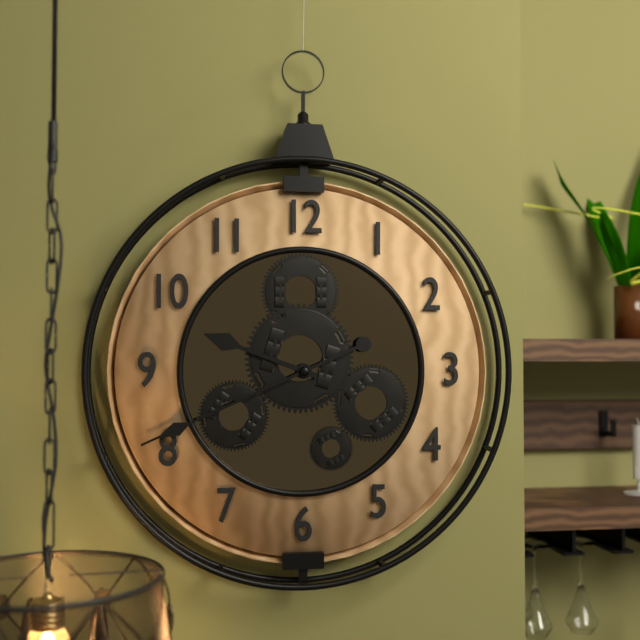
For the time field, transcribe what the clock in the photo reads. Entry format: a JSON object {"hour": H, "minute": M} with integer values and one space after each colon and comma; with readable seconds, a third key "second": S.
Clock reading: {"hour": 9, "minute": 41}
